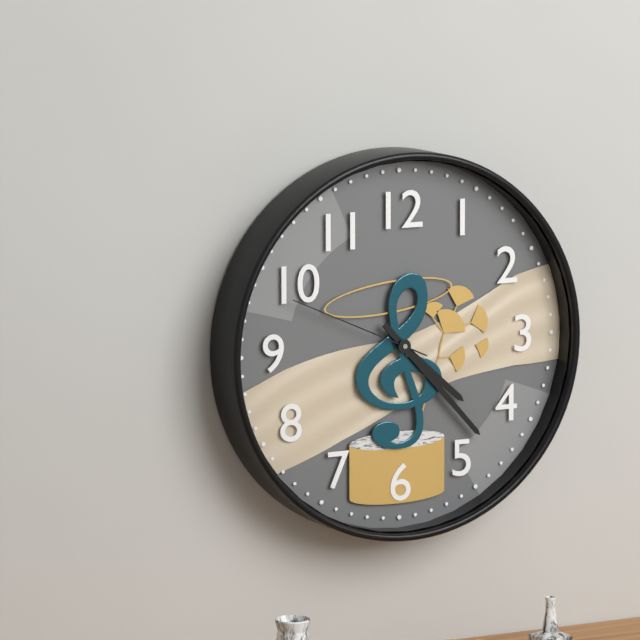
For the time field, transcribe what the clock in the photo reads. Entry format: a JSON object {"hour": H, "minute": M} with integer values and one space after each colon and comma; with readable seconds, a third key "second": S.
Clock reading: {"hour": 4, "minute": 23, "second": 49}
